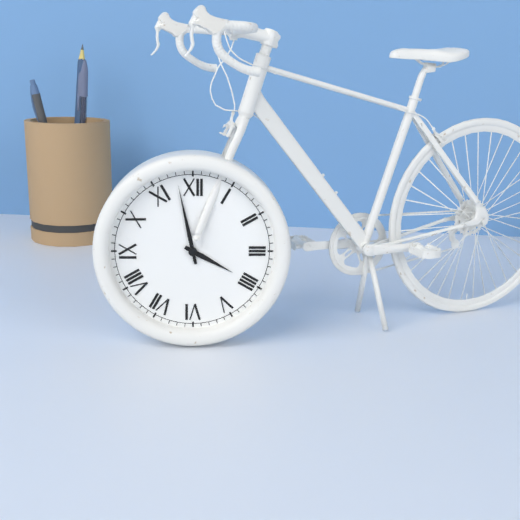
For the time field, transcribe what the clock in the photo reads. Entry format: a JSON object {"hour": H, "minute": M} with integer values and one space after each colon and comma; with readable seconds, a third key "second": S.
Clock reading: {"hour": 3, "minute": 58}
